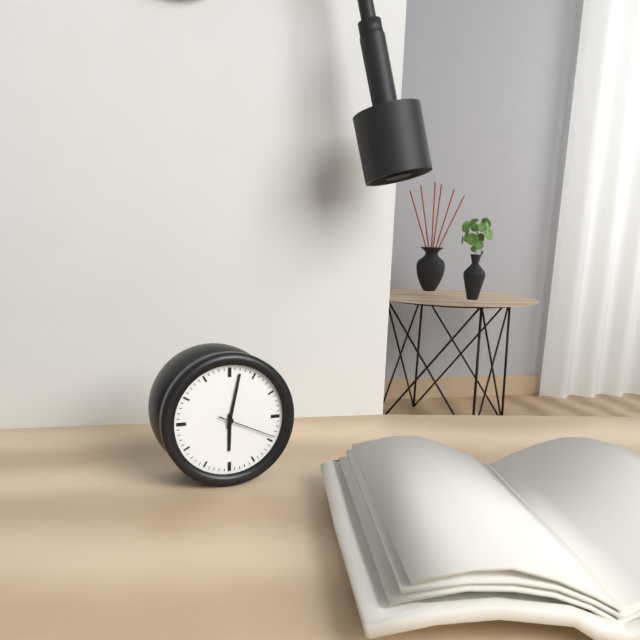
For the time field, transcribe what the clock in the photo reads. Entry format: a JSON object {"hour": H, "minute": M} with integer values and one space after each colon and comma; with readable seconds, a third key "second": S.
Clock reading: {"hour": 6, "minute": 2, "second": 19}
